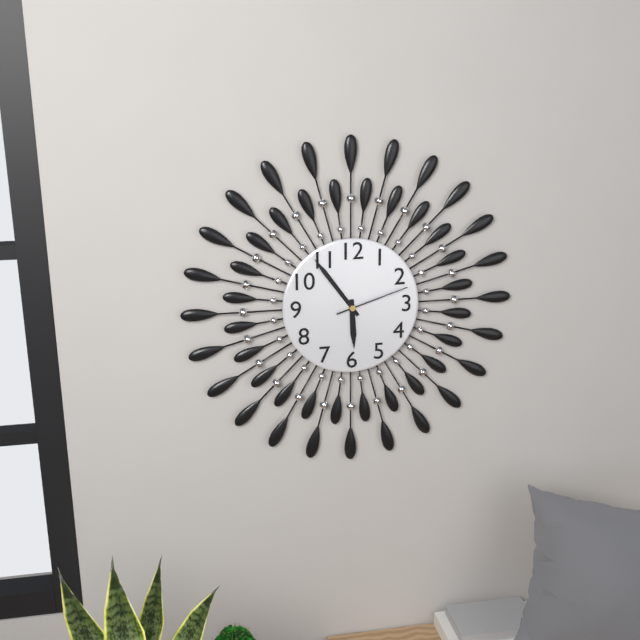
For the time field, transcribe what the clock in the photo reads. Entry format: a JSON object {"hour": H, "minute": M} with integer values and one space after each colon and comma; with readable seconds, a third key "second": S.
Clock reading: {"hour": 5, "minute": 54, "second": 12}
